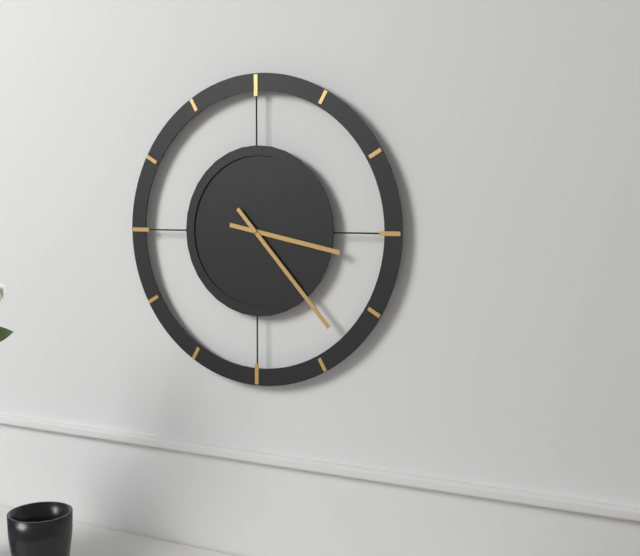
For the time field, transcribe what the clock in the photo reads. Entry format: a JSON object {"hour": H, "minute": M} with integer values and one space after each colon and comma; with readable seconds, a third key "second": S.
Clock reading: {"hour": 3, "minute": 23}
